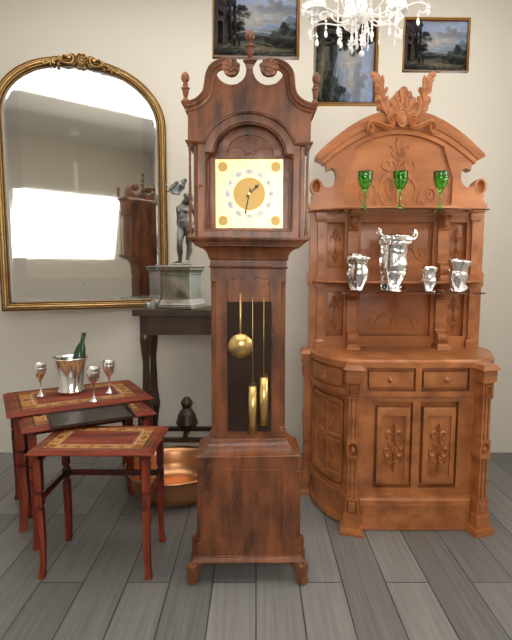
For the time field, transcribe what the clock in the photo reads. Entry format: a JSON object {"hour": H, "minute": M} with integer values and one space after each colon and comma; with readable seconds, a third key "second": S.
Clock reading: {"hour": 1, "minute": 32}
